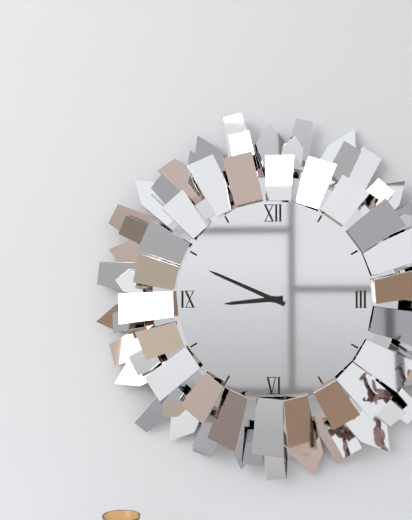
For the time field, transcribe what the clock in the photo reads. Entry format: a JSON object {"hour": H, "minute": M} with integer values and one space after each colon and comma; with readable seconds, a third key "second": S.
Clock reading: {"hour": 8, "minute": 49}
